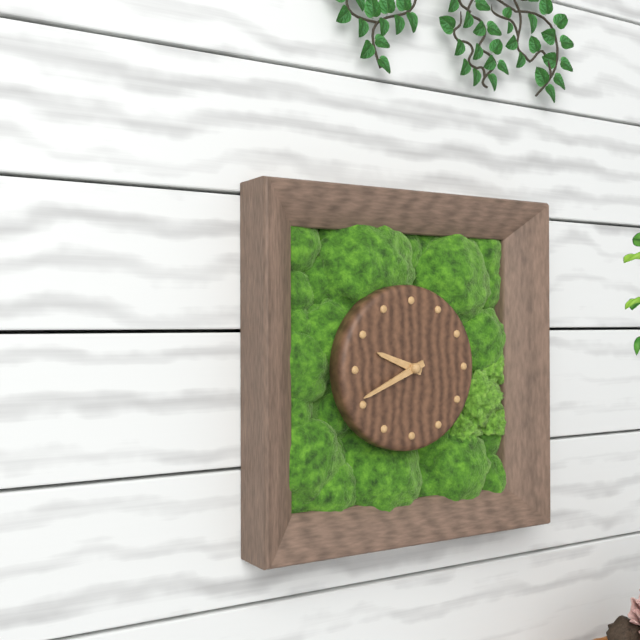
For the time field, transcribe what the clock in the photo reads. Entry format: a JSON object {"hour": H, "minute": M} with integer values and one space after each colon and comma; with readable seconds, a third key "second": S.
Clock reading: {"hour": 9, "minute": 41}
